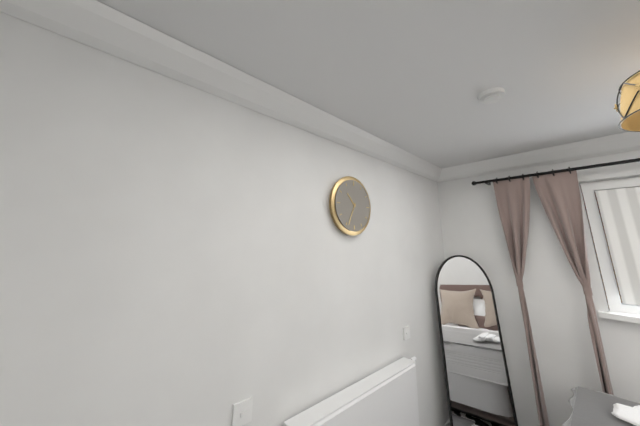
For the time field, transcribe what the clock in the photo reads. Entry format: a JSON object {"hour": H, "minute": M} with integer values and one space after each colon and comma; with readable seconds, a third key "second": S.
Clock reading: {"hour": 10, "minute": 34}
